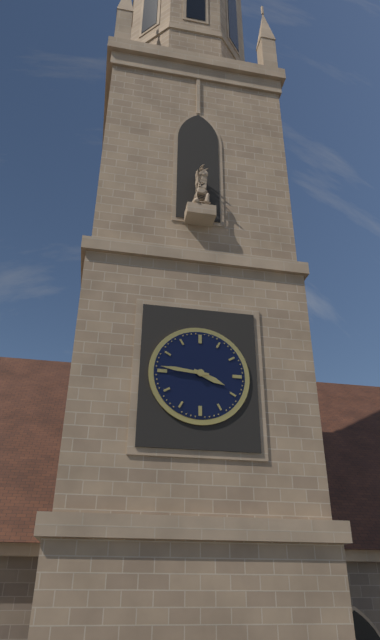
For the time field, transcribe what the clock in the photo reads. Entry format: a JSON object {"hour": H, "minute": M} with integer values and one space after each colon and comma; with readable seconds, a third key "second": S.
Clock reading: {"hour": 3, "minute": 46}
